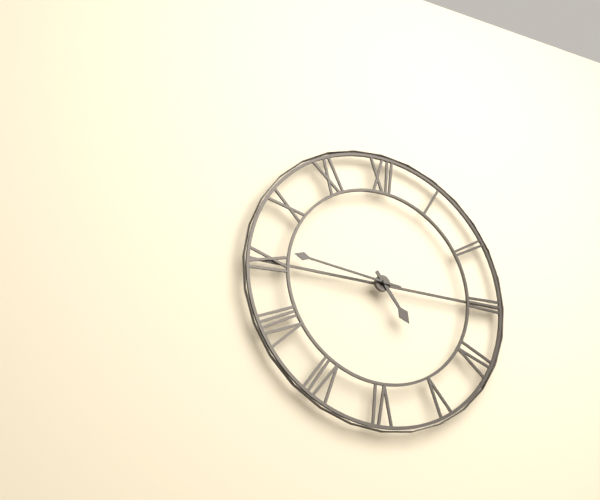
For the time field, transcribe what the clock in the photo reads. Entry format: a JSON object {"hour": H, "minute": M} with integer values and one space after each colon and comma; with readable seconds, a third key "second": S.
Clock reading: {"hour": 4, "minute": 46}
